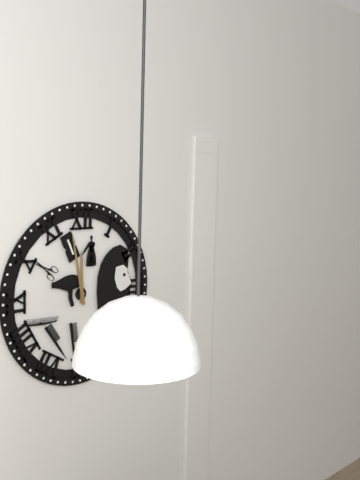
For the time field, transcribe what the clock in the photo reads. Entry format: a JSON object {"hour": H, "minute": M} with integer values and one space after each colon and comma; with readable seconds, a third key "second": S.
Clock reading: {"hour": 11, "minute": 58}
